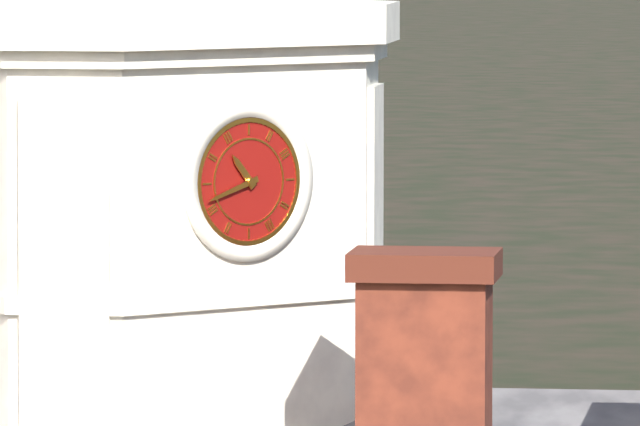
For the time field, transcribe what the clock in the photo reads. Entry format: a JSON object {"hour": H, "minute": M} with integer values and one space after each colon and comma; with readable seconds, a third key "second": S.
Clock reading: {"hour": 10, "minute": 42}
